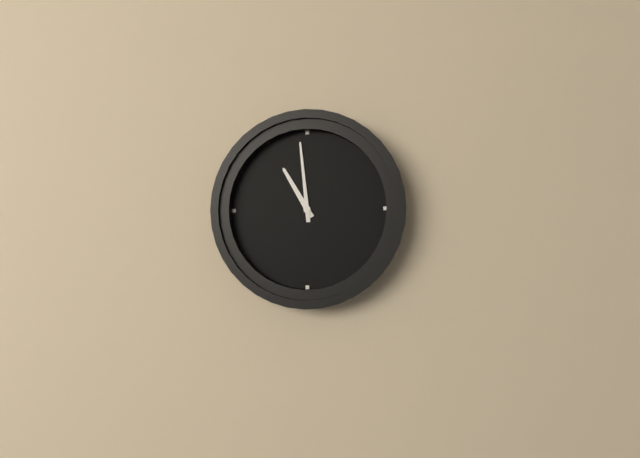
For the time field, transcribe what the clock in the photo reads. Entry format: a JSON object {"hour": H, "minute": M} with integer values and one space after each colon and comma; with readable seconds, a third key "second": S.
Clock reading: {"hour": 10, "minute": 59}
